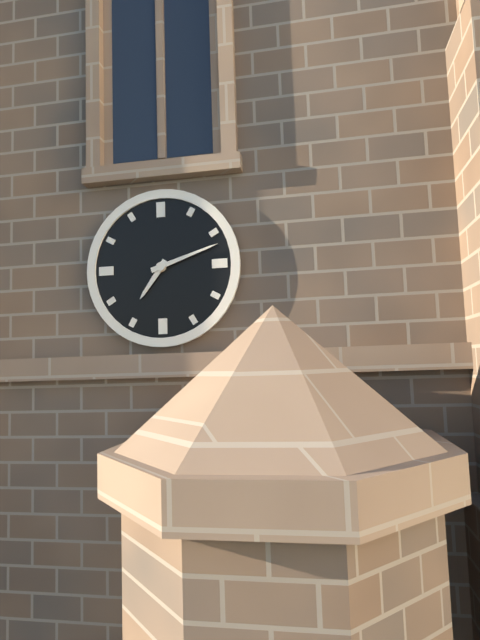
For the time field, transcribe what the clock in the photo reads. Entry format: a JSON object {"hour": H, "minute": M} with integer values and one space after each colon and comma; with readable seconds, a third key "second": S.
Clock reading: {"hour": 7, "minute": 12}
